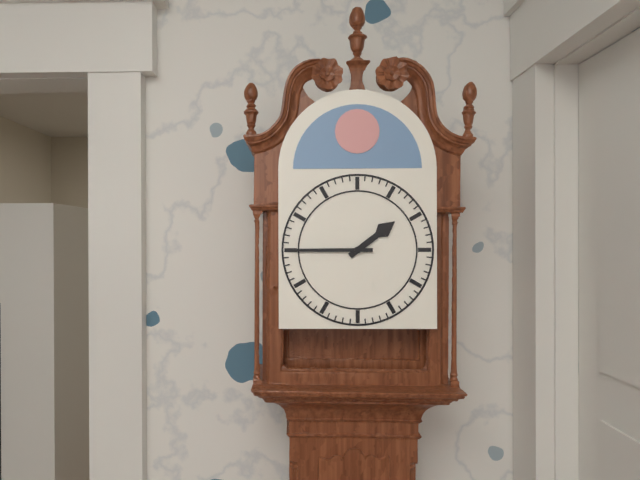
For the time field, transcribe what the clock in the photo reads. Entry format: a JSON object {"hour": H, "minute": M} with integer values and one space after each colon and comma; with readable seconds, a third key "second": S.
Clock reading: {"hour": 1, "minute": 45}
